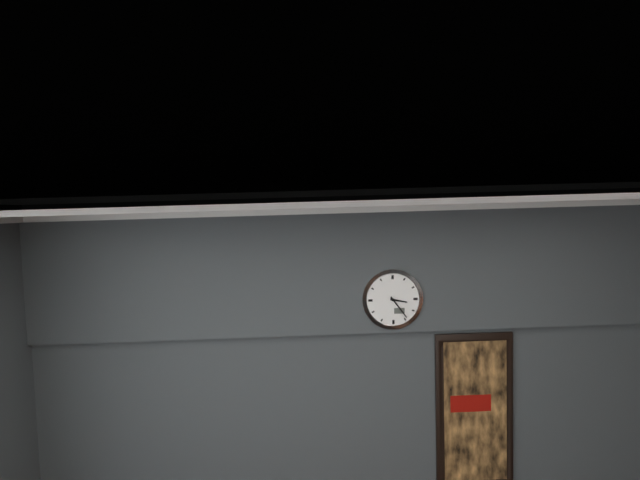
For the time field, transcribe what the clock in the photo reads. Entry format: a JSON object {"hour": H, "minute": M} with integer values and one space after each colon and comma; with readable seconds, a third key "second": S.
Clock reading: {"hour": 3, "minute": 24}
